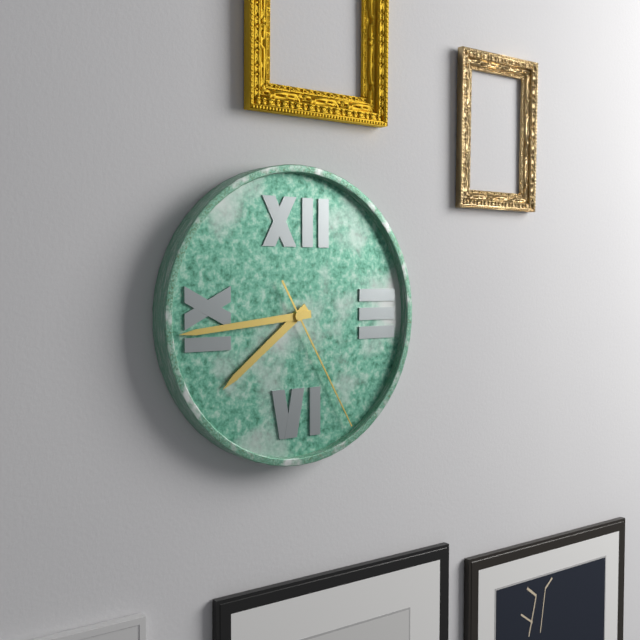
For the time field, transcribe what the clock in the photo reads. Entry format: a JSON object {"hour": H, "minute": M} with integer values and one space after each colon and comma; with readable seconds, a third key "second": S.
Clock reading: {"hour": 7, "minute": 44, "second": 25}
